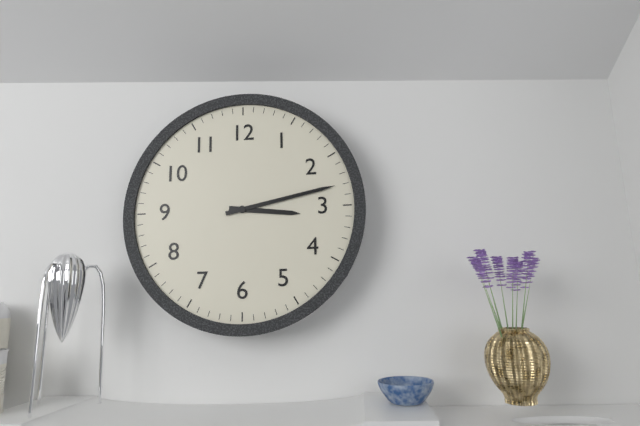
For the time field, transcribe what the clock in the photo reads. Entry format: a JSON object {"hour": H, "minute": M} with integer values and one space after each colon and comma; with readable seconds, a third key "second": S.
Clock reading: {"hour": 3, "minute": 13}
